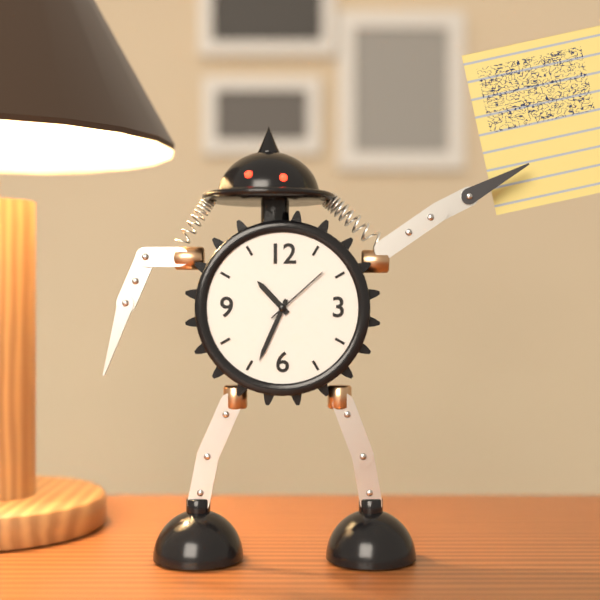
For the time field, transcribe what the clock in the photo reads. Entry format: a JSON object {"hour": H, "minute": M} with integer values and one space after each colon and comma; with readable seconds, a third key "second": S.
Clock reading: {"hour": 10, "minute": 34, "second": 8}
